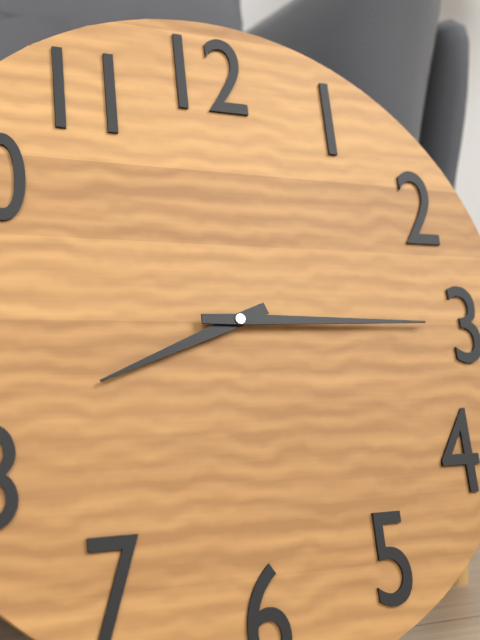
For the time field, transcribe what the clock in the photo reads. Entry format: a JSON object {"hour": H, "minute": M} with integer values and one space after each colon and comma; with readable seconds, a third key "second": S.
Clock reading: {"hour": 8, "minute": 15}
